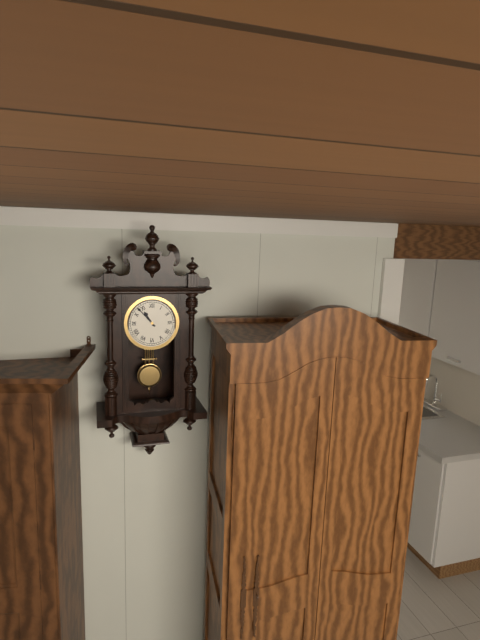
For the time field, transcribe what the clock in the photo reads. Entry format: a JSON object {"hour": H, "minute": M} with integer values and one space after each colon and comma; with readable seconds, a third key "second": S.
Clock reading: {"hour": 10, "minute": 53}
